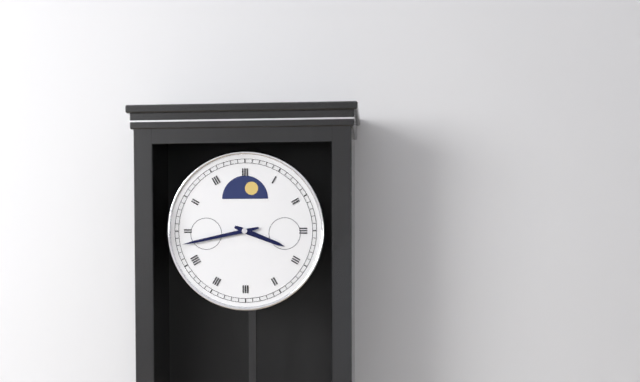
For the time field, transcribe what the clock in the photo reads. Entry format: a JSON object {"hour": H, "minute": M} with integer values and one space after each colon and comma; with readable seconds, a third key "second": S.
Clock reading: {"hour": 3, "minute": 43}
